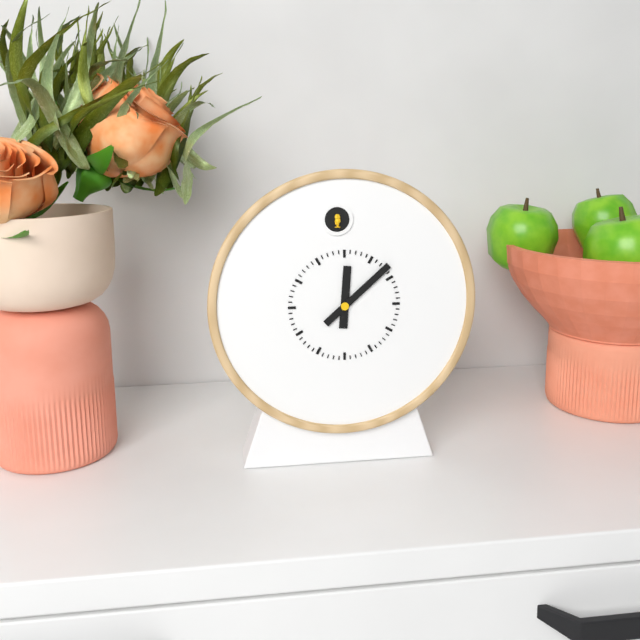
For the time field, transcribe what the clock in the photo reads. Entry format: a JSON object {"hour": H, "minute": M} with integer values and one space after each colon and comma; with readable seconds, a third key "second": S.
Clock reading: {"hour": 12, "minute": 8}
